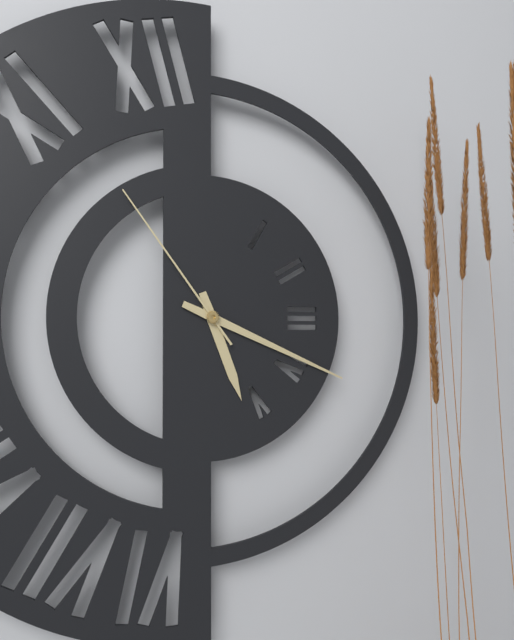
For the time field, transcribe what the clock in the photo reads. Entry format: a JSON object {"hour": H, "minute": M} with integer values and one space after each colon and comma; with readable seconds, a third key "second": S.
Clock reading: {"hour": 5, "minute": 19, "second": 54}
